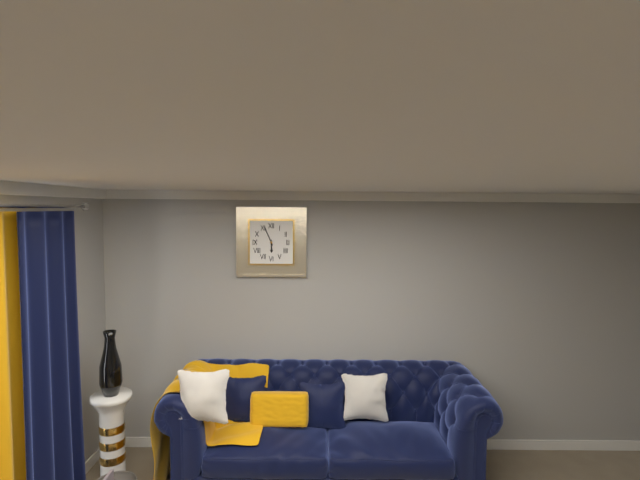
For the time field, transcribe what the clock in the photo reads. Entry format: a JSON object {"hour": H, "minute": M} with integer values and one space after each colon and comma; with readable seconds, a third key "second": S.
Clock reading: {"hour": 5, "minute": 56}
